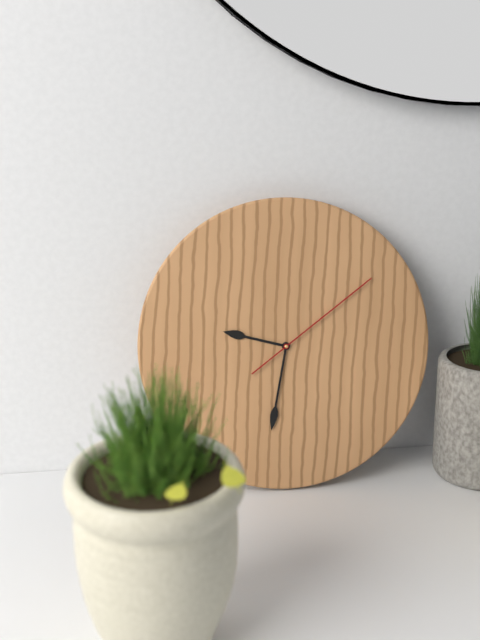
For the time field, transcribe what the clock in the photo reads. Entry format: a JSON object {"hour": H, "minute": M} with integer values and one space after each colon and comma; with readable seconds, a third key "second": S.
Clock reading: {"hour": 9, "minute": 32, "second": 9}
